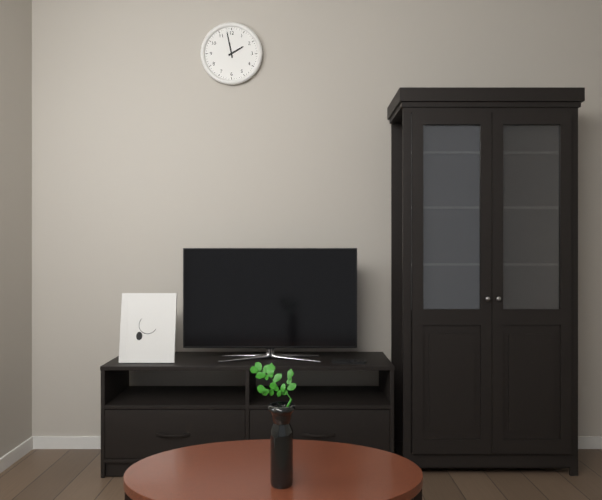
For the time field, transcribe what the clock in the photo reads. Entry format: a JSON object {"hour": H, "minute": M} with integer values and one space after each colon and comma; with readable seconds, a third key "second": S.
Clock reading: {"hour": 1, "minute": 58}
